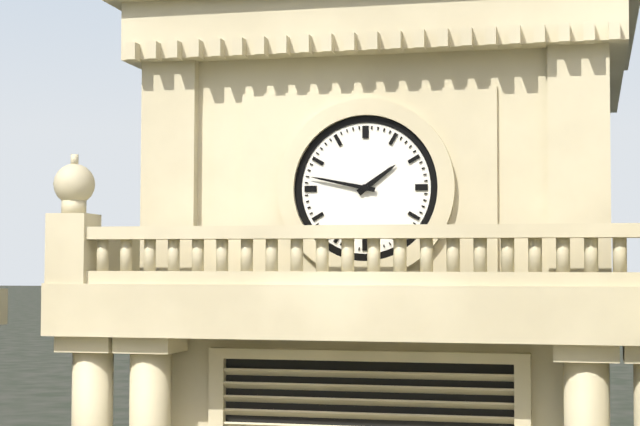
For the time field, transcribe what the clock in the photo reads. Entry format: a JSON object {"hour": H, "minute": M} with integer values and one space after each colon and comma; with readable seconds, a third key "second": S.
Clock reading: {"hour": 1, "minute": 47}
